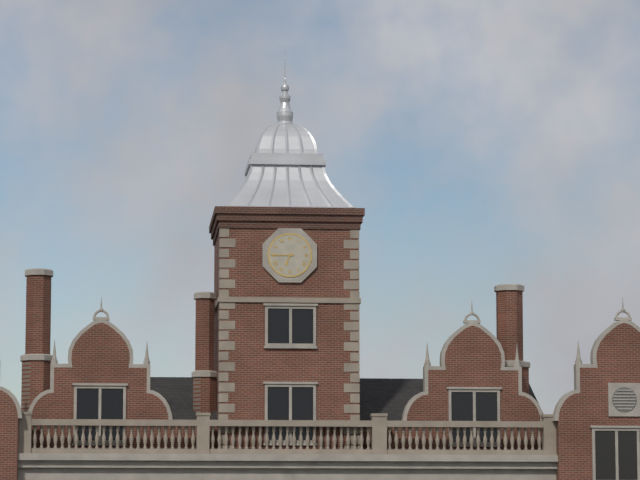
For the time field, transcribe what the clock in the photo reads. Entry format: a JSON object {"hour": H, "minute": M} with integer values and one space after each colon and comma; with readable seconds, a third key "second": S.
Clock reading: {"hour": 6, "minute": 45}
